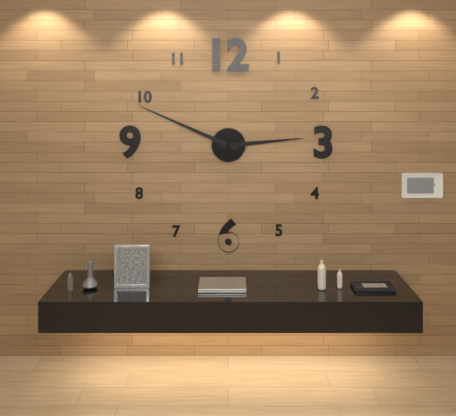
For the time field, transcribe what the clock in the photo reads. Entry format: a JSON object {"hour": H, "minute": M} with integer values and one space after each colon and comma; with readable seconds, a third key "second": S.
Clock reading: {"hour": 2, "minute": 49}
